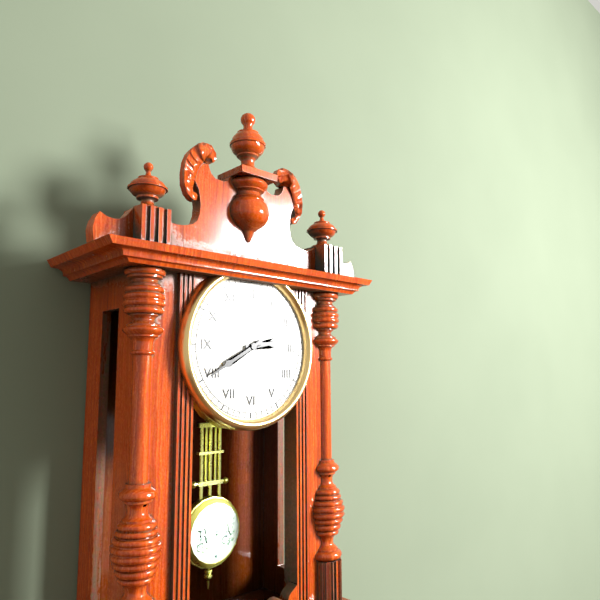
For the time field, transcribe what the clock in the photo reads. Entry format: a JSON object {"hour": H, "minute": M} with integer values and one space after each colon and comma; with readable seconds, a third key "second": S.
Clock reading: {"hour": 2, "minute": 40}
